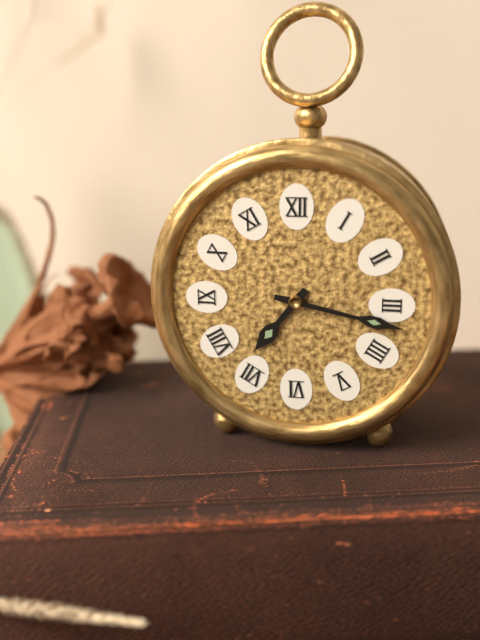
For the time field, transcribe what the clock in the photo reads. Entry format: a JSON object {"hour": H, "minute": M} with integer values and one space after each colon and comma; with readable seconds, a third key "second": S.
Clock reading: {"hour": 7, "minute": 17}
